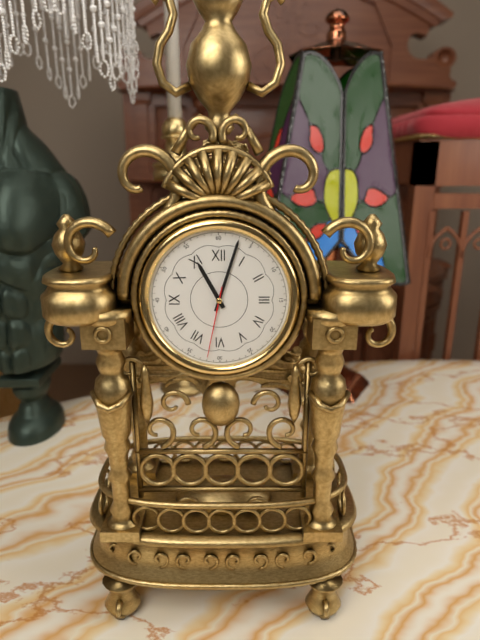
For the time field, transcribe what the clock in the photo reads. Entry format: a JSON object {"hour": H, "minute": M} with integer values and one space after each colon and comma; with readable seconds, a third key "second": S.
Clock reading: {"hour": 11, "minute": 3, "second": 32}
